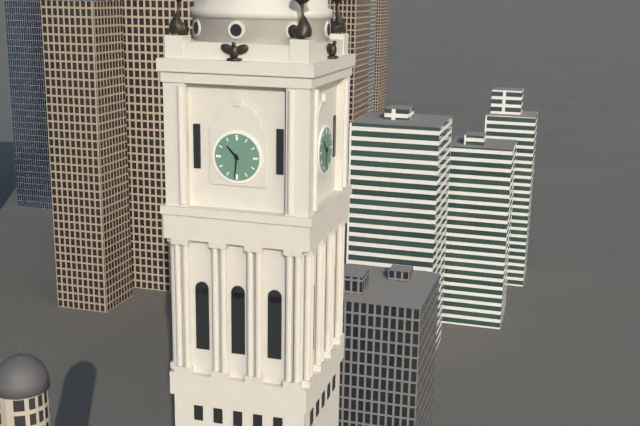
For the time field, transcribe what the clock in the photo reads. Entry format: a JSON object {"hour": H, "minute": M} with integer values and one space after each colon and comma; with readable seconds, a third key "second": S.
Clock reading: {"hour": 10, "minute": 31}
